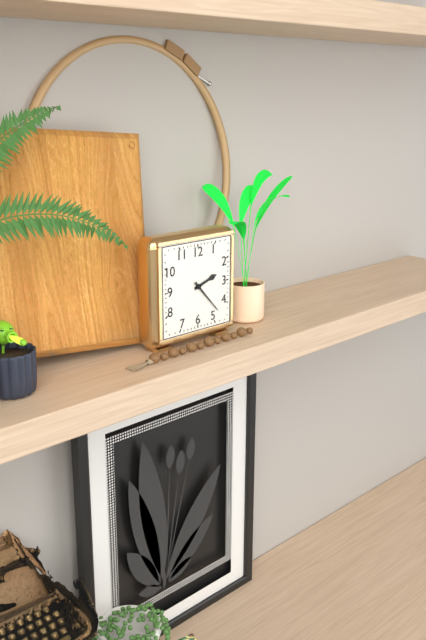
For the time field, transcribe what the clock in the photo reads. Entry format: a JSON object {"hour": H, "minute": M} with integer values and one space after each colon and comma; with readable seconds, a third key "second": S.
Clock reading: {"hour": 2, "minute": 23}
